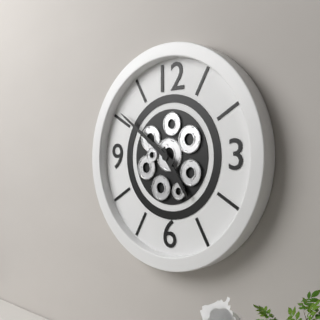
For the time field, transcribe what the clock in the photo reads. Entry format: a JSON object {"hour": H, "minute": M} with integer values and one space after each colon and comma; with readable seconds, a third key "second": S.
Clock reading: {"hour": 4, "minute": 51}
